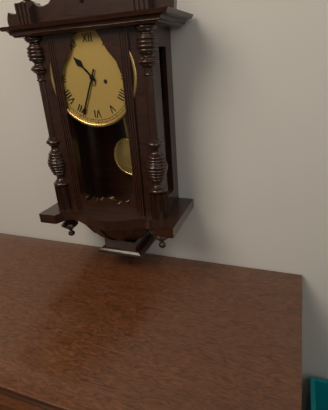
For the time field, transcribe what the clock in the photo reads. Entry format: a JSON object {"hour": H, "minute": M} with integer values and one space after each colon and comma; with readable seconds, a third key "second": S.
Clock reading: {"hour": 10, "minute": 34}
